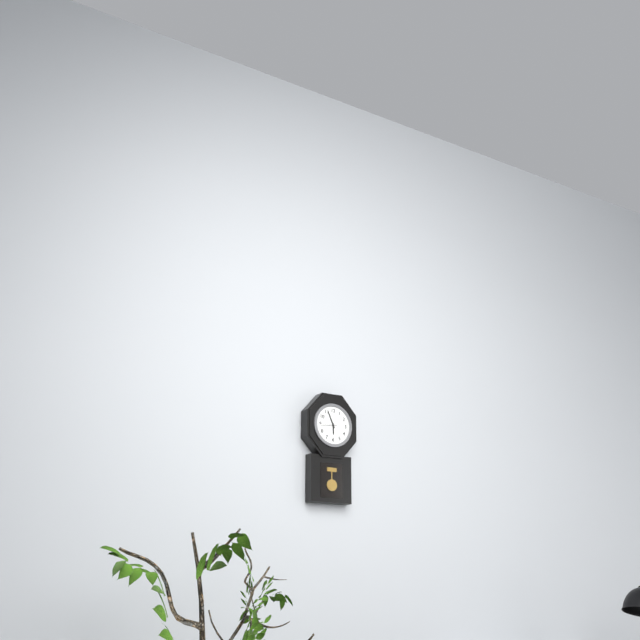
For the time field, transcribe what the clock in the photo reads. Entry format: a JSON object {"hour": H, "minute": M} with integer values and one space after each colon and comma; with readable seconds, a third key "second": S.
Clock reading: {"hour": 5, "minute": 56}
